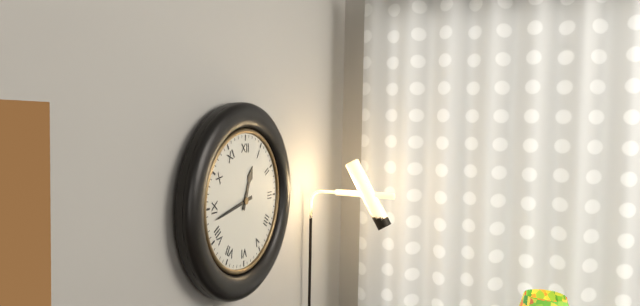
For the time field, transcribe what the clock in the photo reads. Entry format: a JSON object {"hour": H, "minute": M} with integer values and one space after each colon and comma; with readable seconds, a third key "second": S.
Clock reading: {"hour": 12, "minute": 43}
